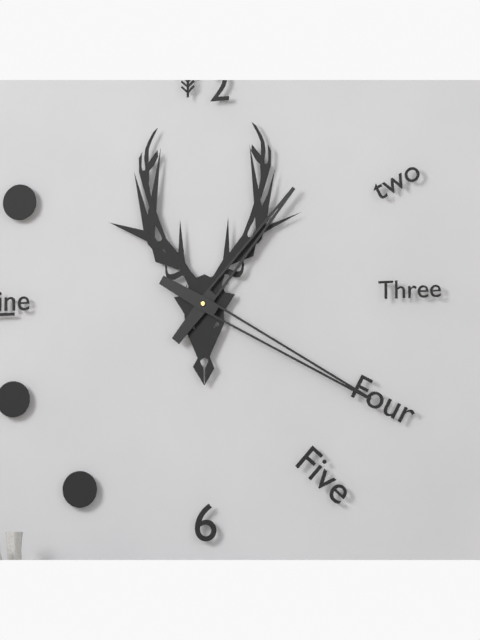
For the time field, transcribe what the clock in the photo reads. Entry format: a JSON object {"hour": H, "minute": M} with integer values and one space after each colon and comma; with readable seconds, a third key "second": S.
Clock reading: {"hour": 1, "minute": 20}
